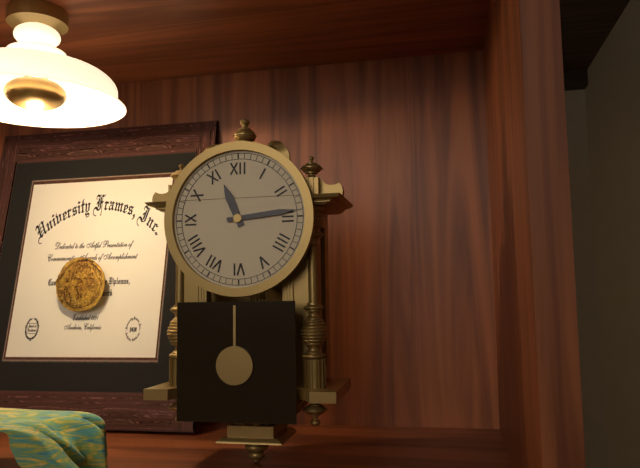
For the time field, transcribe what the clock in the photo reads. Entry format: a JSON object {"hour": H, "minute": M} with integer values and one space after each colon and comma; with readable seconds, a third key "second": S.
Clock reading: {"hour": 11, "minute": 14}
